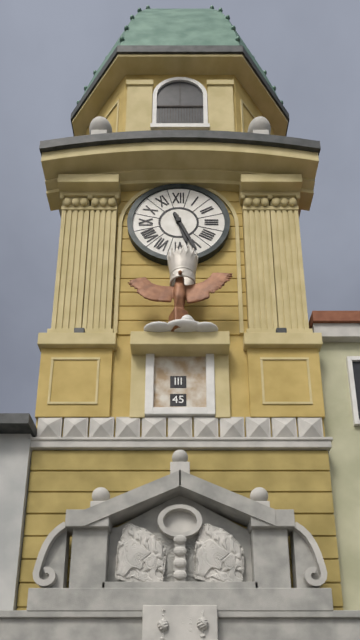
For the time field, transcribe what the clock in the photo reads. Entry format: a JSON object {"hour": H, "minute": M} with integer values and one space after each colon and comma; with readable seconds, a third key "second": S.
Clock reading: {"hour": 5, "minute": 26}
